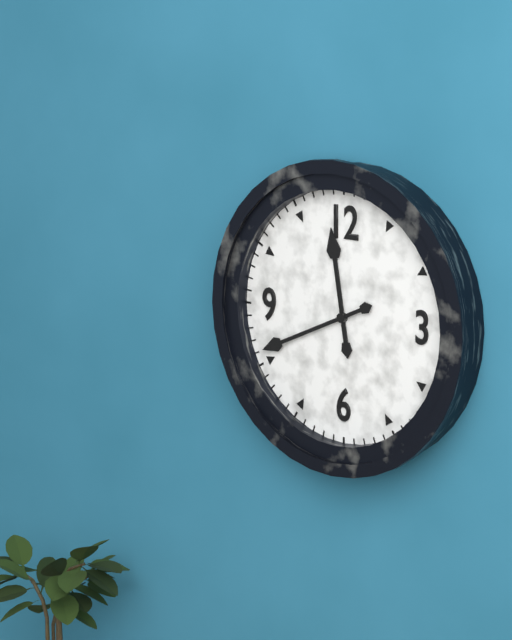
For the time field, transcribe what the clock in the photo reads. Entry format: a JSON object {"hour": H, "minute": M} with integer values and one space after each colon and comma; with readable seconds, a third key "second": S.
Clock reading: {"hour": 11, "minute": 41}
